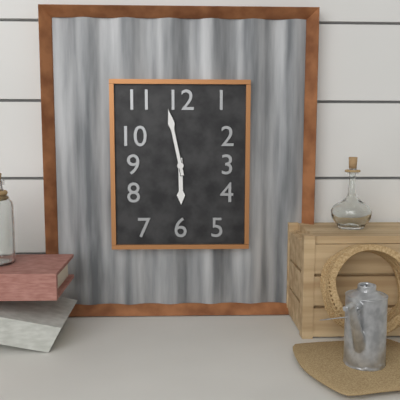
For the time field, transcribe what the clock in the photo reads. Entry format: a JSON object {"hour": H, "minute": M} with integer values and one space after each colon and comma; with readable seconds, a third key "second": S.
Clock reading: {"hour": 5, "minute": 58}
